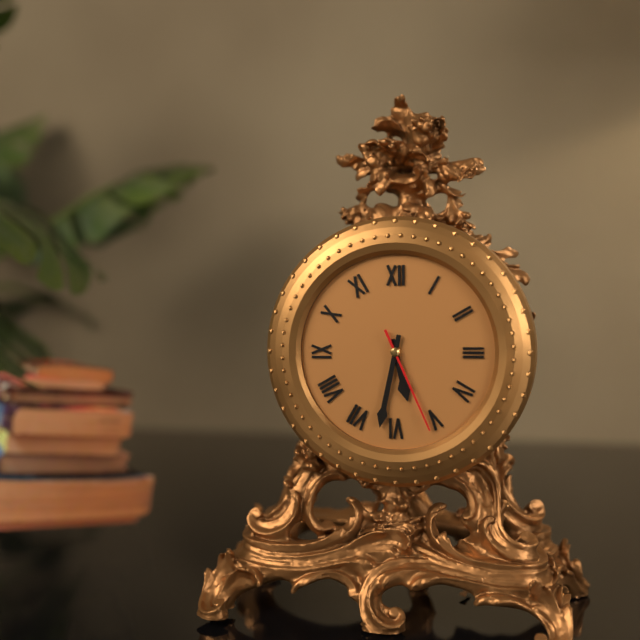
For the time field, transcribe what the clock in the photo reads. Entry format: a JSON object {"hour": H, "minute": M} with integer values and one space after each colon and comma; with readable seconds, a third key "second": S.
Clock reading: {"hour": 5, "minute": 32, "second": 26}
